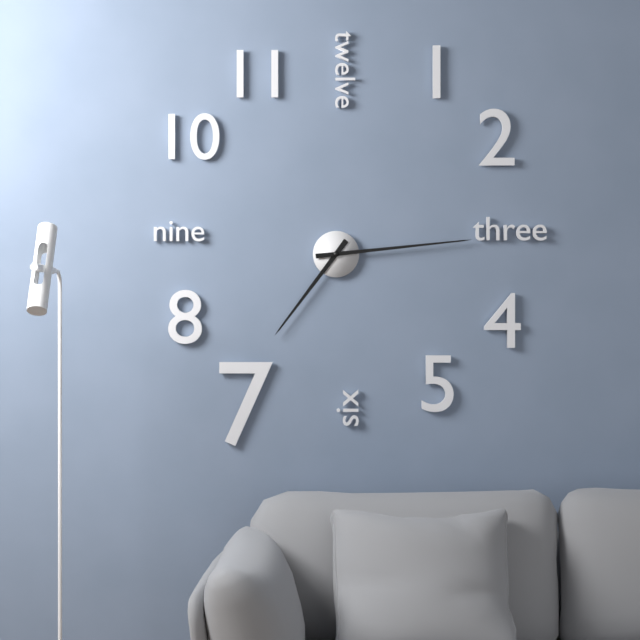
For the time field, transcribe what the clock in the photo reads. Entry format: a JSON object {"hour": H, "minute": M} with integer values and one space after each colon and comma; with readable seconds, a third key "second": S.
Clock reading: {"hour": 7, "minute": 14}
